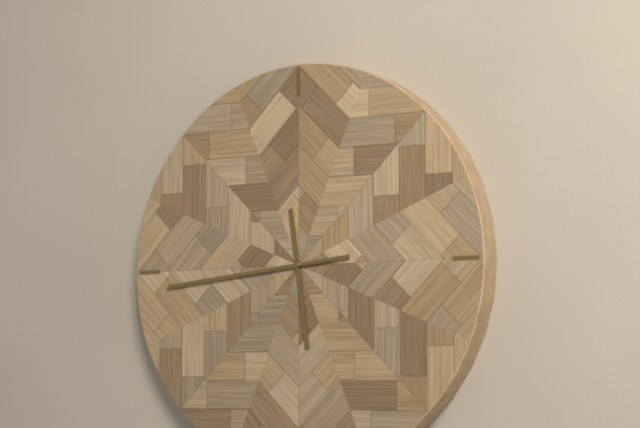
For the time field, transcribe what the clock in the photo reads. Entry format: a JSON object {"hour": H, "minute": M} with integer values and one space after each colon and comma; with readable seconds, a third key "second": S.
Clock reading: {"hour": 5, "minute": 44}
